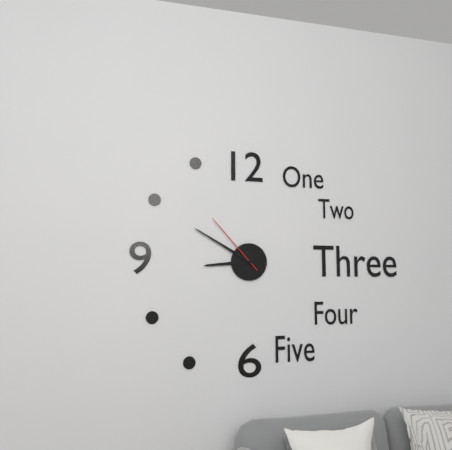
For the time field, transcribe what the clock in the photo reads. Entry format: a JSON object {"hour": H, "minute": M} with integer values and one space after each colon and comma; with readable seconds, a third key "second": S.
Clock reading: {"hour": 8, "minute": 50, "second": 53}
